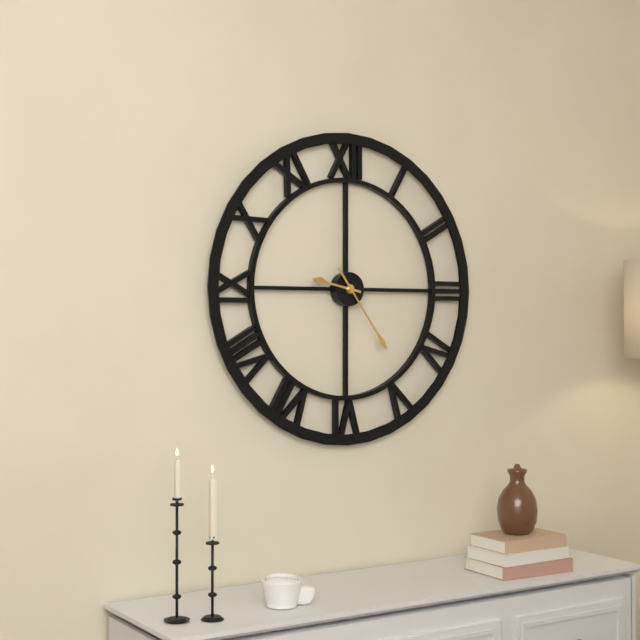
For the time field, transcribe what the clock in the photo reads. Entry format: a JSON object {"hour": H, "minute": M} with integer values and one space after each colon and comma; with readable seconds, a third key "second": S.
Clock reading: {"hour": 9, "minute": 24}
